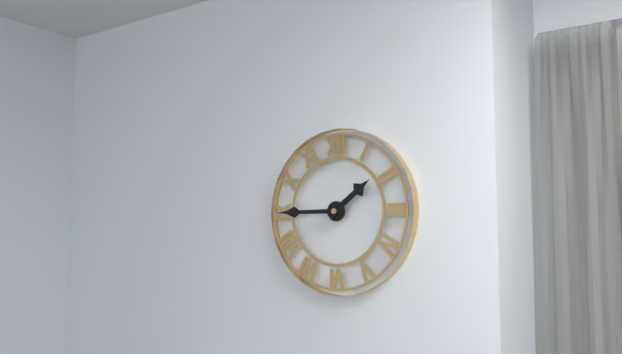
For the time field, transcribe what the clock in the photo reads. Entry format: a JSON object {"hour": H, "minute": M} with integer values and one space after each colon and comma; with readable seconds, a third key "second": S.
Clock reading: {"hour": 1, "minute": 45}
